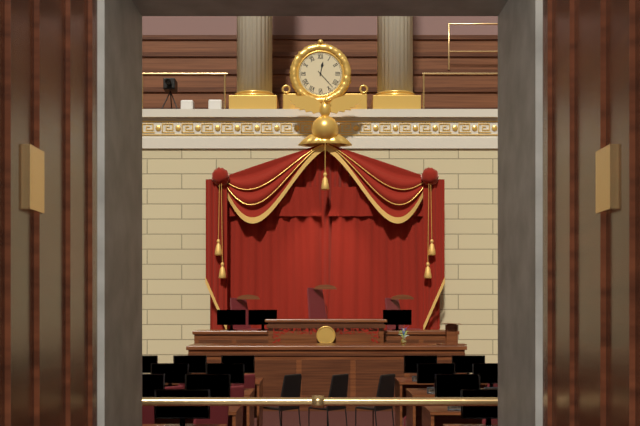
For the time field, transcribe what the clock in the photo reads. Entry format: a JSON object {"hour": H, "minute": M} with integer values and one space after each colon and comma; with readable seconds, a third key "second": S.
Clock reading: {"hour": 12, "minute": 23}
